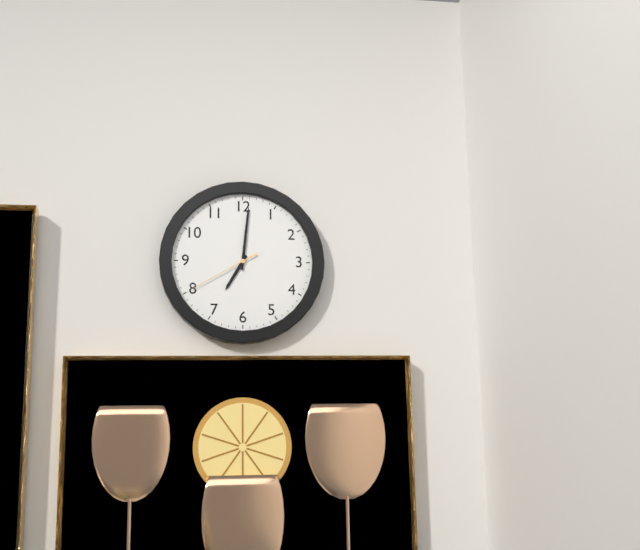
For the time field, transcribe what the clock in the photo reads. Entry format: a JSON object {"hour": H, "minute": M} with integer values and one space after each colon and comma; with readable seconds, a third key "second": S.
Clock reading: {"hour": 7, "minute": 1, "second": 40}
